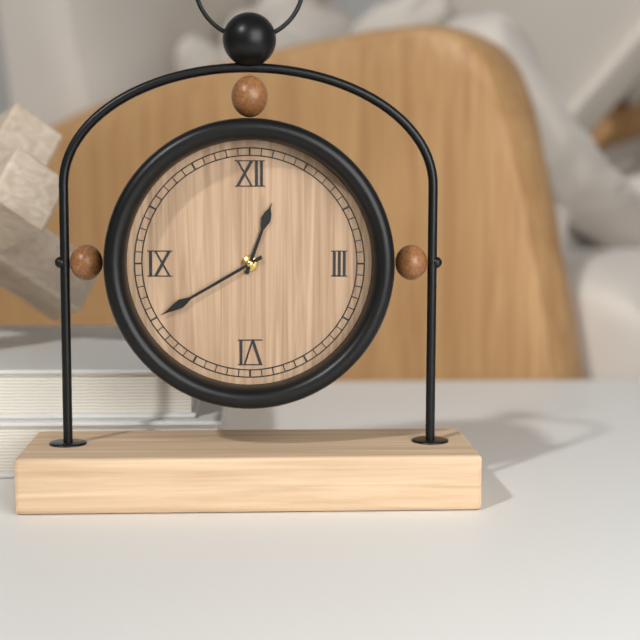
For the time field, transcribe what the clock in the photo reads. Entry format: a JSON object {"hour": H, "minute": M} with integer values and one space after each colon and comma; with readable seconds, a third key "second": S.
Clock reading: {"hour": 12, "minute": 40}
